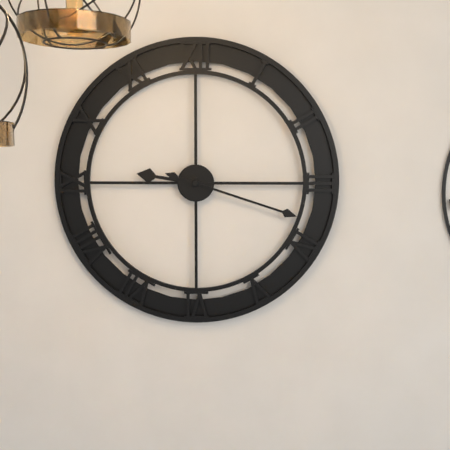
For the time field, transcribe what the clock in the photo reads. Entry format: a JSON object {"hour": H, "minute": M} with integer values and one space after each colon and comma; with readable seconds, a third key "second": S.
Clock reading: {"hour": 9, "minute": 18}
